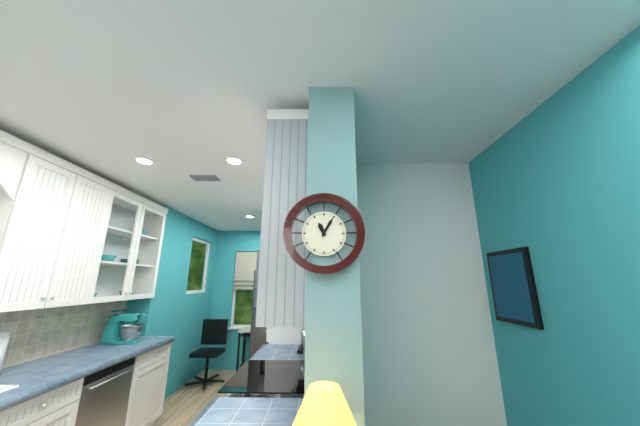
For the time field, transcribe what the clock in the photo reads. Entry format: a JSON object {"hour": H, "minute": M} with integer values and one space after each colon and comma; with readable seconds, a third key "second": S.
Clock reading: {"hour": 11, "minute": 5}
